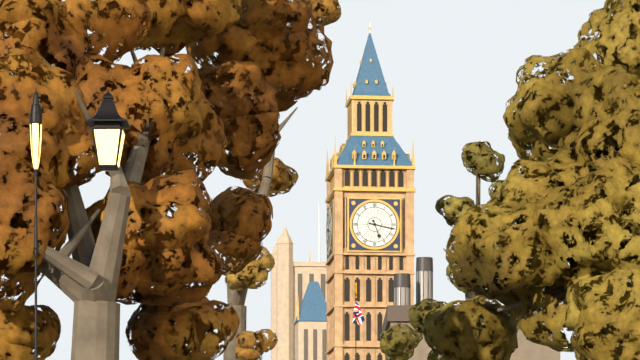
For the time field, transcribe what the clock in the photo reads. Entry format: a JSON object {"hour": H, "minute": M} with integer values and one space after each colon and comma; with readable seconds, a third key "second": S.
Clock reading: {"hour": 5, "minute": 17}
